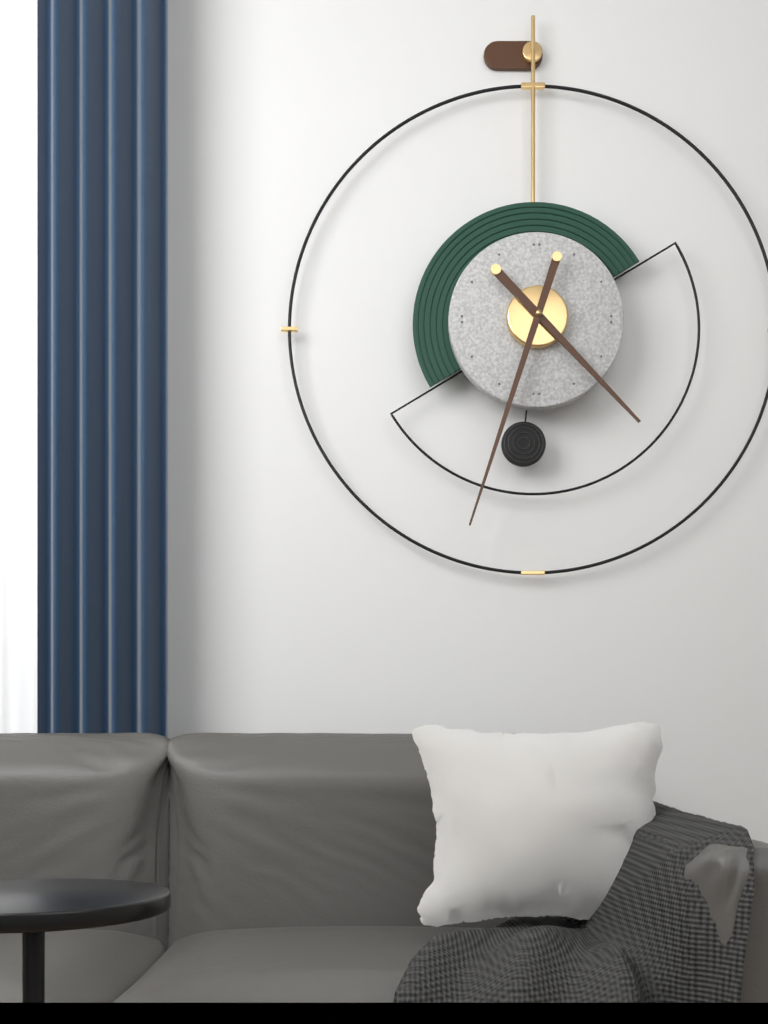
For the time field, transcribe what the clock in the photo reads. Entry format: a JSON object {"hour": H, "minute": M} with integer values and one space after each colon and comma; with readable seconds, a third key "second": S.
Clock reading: {"hour": 4, "minute": 33}
